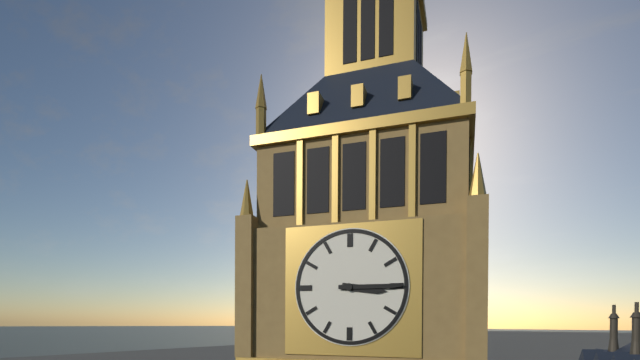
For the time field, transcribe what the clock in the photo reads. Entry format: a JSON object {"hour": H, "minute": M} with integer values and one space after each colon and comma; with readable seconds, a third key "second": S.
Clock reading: {"hour": 3, "minute": 15}
